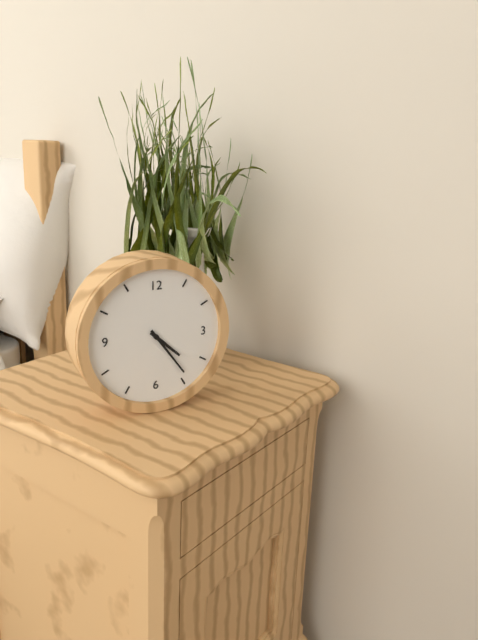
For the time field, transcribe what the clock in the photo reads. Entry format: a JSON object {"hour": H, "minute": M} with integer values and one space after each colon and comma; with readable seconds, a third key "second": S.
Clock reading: {"hour": 4, "minute": 24}
